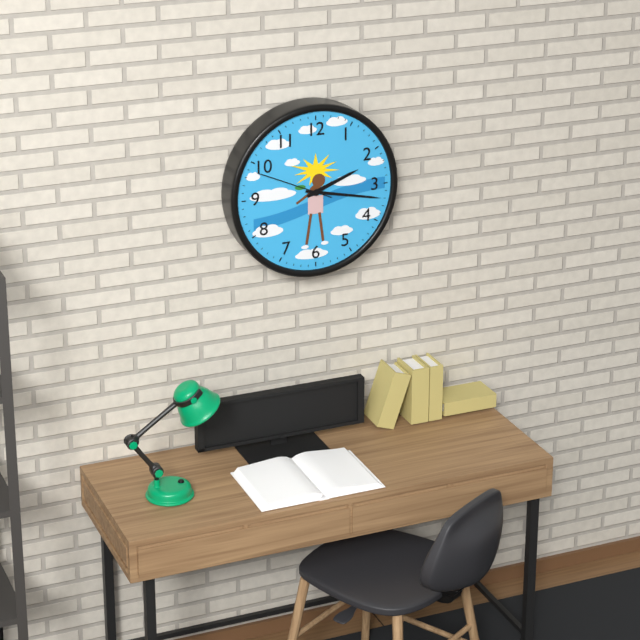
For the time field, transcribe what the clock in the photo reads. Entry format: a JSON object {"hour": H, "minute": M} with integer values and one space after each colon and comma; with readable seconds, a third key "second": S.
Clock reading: {"hour": 2, "minute": 17, "second": 49}
